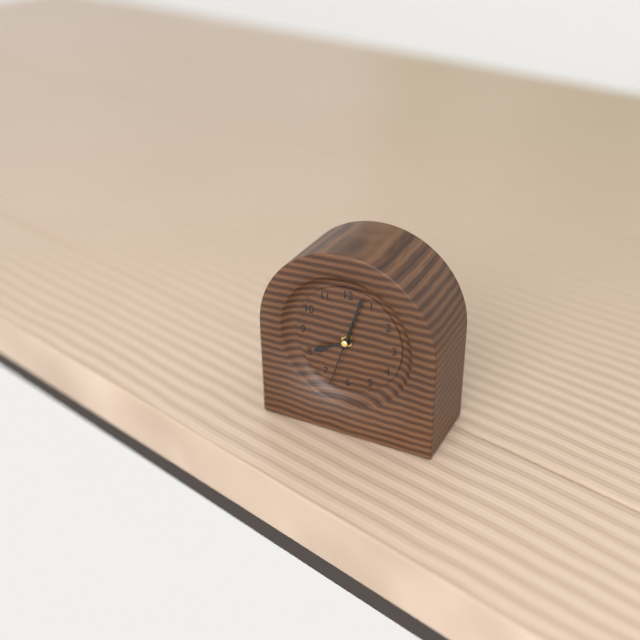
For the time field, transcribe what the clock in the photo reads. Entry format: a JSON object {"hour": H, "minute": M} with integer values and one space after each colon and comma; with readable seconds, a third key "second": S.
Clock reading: {"hour": 8, "minute": 3, "second": 33}
